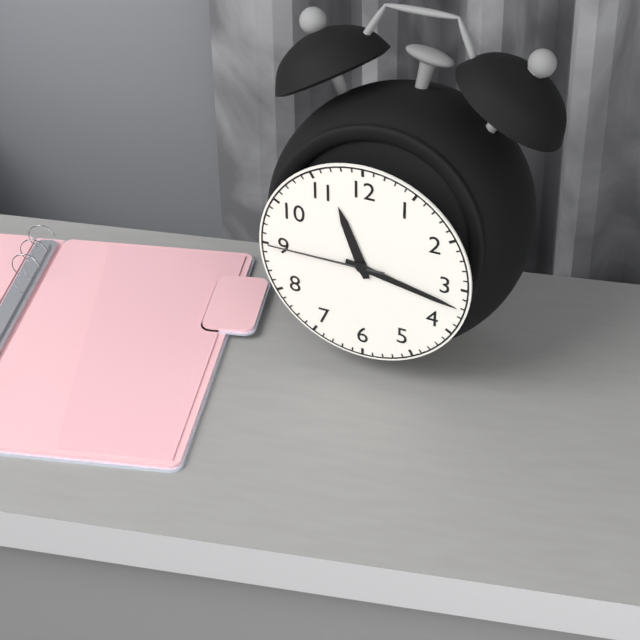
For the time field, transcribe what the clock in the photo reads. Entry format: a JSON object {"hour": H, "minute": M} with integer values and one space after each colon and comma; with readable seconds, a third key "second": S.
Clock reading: {"hour": 11, "minute": 17, "second": 45}
